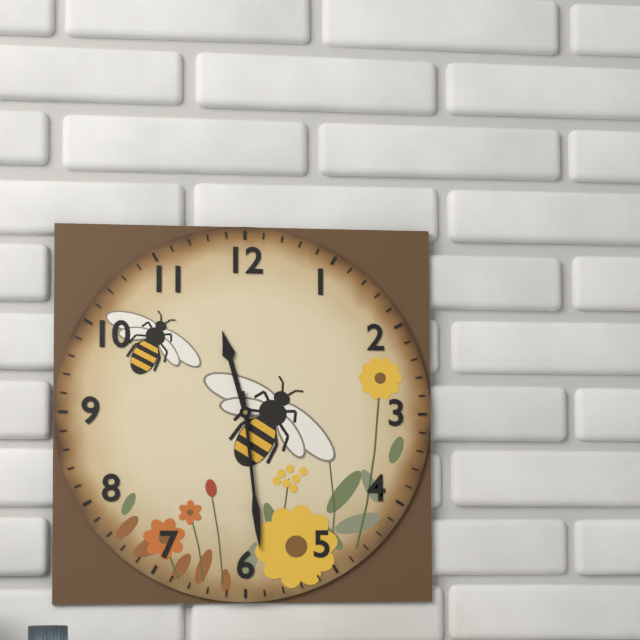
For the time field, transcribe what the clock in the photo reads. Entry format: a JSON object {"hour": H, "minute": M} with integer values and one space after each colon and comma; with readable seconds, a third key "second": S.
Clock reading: {"hour": 11, "minute": 29}
